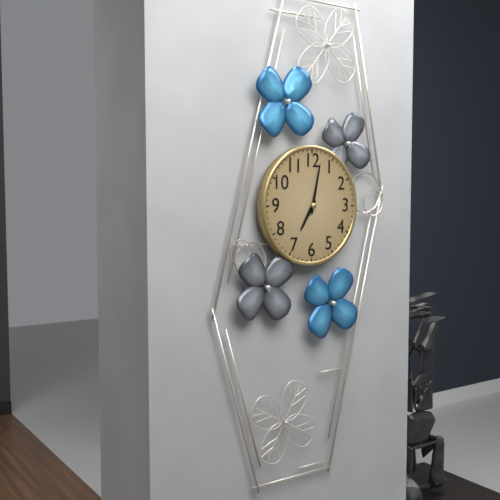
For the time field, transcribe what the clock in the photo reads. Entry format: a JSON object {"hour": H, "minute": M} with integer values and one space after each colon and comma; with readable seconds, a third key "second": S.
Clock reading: {"hour": 7, "minute": 2}
